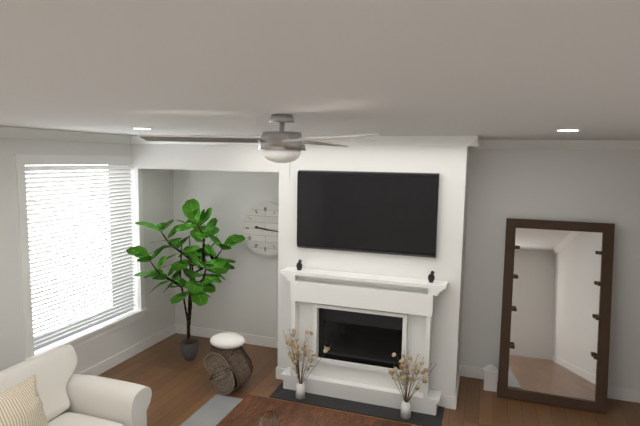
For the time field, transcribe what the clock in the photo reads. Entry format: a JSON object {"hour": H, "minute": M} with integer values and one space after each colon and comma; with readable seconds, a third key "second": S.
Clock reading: {"hour": 9, "minute": 16}
